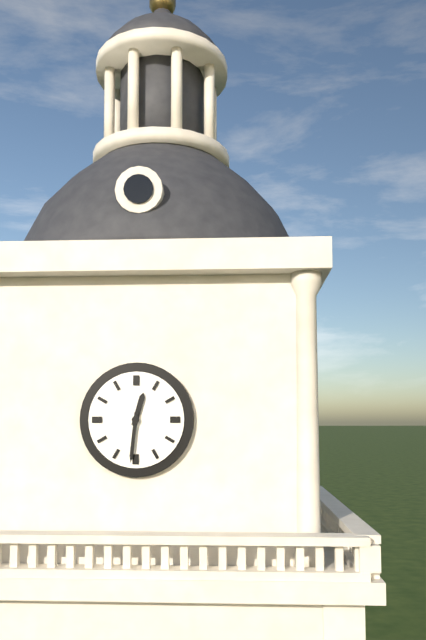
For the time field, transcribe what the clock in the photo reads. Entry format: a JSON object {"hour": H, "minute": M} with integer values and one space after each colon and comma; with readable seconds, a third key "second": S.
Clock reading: {"hour": 12, "minute": 31}
